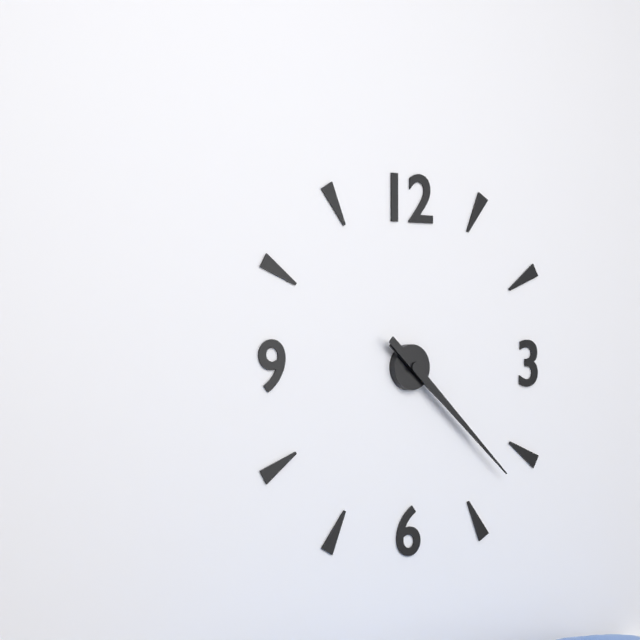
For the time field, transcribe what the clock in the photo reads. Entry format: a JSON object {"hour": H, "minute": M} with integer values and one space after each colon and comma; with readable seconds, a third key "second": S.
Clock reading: {"hour": 4, "minute": 22}
